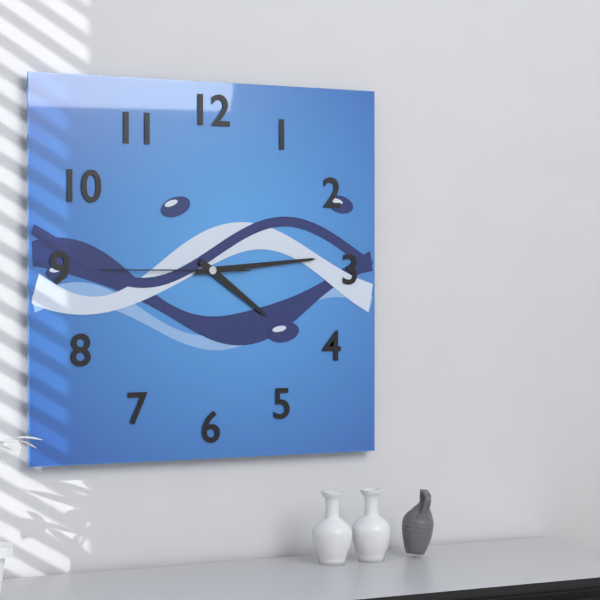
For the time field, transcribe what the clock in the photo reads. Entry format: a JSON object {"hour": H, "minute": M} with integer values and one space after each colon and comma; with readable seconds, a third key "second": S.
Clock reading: {"hour": 4, "minute": 14, "second": 45}
